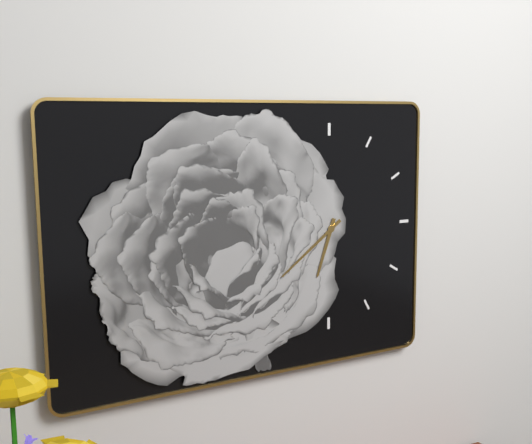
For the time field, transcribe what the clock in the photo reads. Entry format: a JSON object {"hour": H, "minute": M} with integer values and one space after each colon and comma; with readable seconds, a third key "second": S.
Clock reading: {"hour": 6, "minute": 39}
